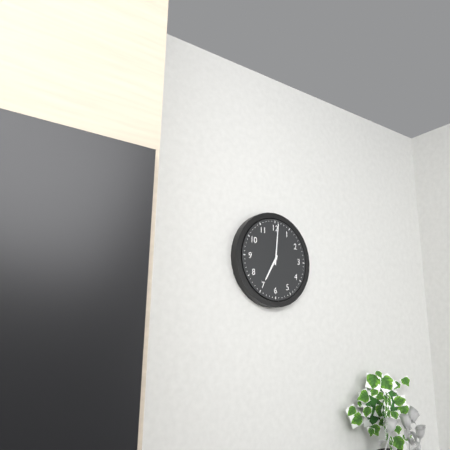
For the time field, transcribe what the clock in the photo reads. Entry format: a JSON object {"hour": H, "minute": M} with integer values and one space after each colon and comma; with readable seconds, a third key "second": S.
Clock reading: {"hour": 7, "minute": 1}
